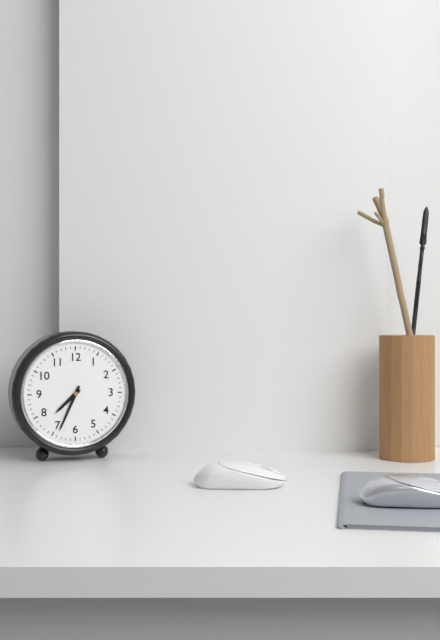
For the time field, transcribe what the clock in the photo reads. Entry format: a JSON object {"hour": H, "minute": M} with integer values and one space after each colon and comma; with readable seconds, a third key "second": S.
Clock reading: {"hour": 7, "minute": 34}
